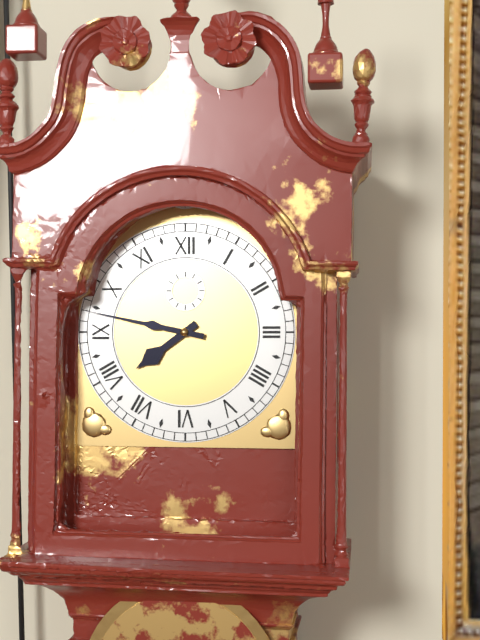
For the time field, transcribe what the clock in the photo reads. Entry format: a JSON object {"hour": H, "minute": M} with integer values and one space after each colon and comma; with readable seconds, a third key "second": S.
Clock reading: {"hour": 7, "minute": 47}
